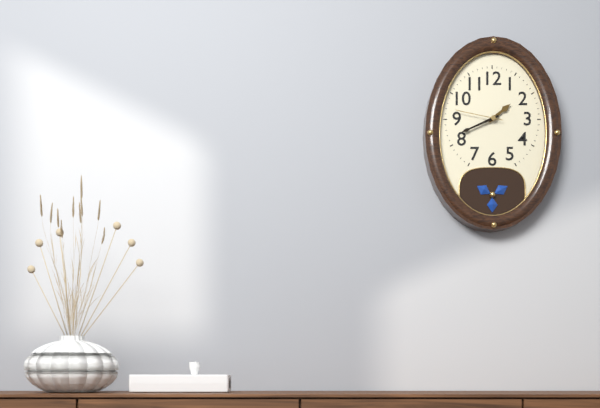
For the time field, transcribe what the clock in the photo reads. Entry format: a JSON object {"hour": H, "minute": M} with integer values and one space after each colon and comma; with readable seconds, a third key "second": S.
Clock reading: {"hour": 1, "minute": 41}
